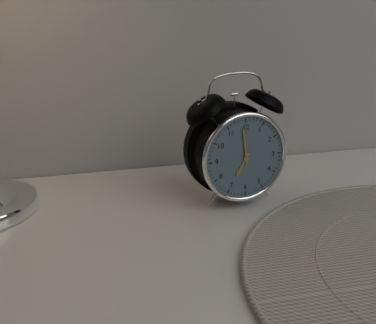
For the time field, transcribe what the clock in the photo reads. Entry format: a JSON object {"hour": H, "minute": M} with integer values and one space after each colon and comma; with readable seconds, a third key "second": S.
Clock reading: {"hour": 6, "minute": 59}
